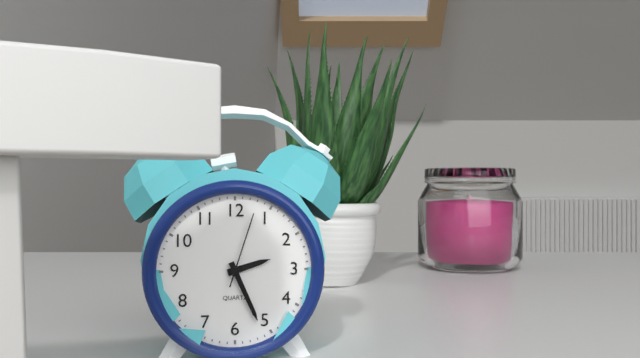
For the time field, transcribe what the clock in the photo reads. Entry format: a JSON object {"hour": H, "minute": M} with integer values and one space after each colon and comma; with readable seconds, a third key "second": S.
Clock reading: {"hour": 2, "minute": 26, "second": 3}
